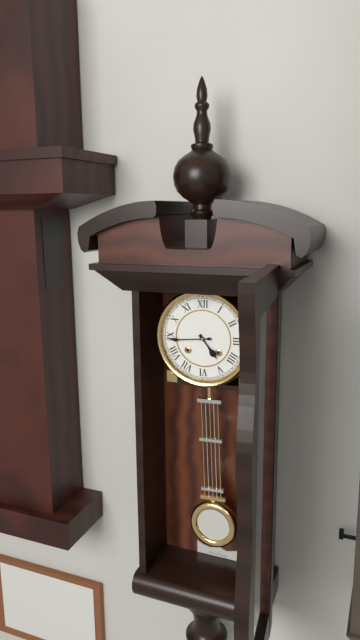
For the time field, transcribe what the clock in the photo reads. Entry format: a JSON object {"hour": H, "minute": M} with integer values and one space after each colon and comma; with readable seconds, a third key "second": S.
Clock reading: {"hour": 4, "minute": 44}
